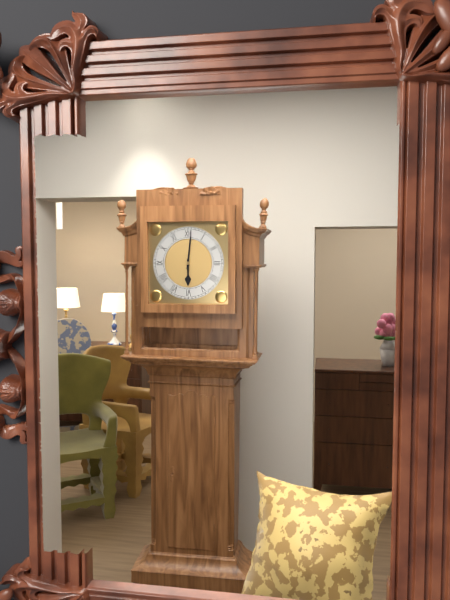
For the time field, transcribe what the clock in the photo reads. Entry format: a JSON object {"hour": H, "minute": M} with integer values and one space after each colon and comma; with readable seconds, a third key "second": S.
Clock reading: {"hour": 6, "minute": 1}
